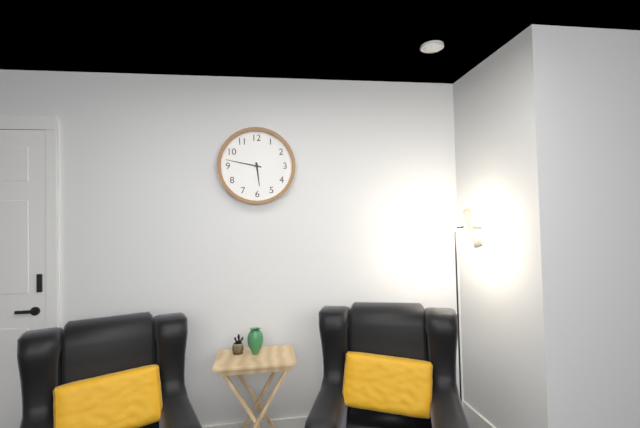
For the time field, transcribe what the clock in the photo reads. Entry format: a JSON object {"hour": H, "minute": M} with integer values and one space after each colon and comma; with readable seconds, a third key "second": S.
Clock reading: {"hour": 5, "minute": 47}
